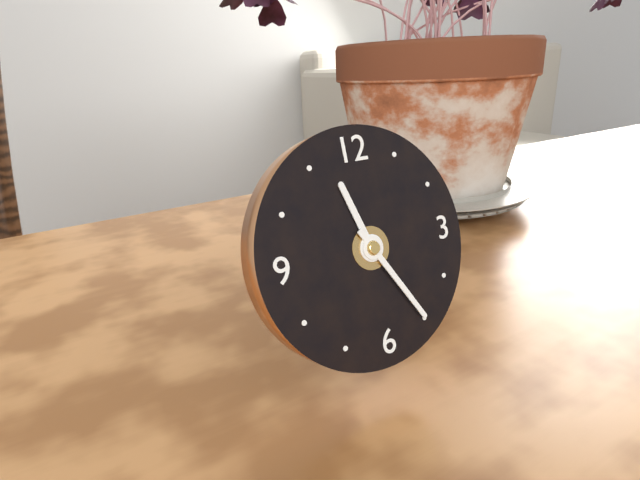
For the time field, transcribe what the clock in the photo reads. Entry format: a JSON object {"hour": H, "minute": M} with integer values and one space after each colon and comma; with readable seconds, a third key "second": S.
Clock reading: {"hour": 11, "minute": 25}
